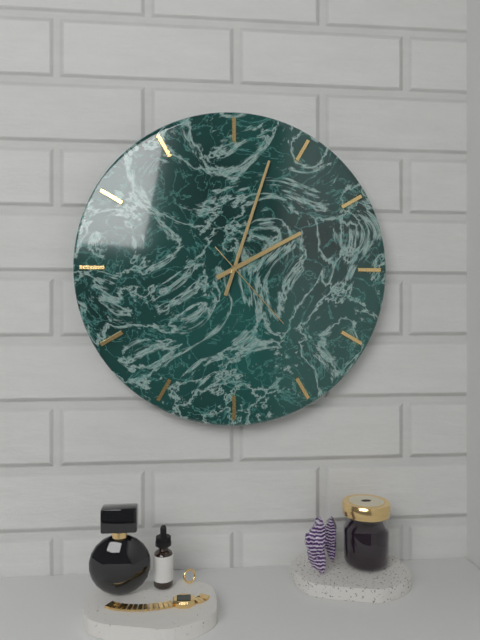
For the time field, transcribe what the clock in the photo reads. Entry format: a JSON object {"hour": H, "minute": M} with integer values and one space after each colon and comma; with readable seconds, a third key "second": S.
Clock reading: {"hour": 2, "minute": 3, "second": 23}
